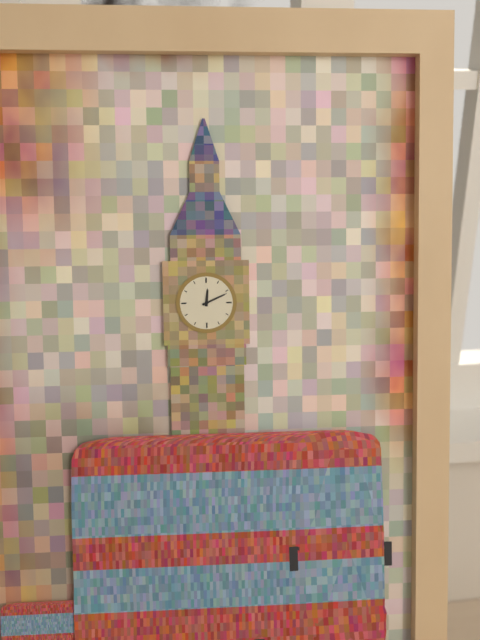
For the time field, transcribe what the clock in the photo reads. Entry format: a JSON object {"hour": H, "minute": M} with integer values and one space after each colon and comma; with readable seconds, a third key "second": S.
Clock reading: {"hour": 12, "minute": 11}
